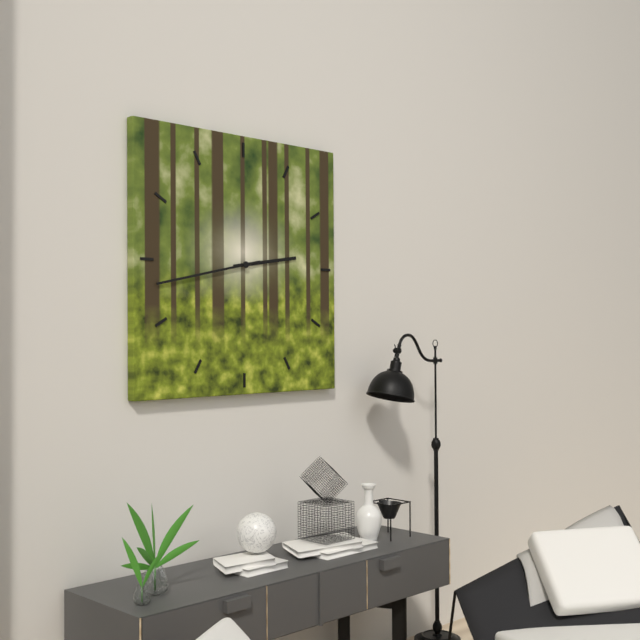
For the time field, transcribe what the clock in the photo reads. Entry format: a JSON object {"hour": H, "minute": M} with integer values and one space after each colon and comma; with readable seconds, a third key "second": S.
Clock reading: {"hour": 2, "minute": 43}
